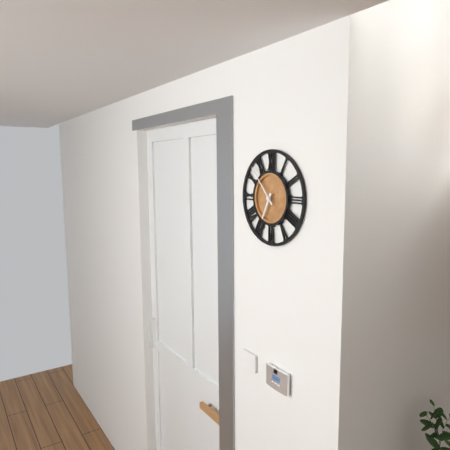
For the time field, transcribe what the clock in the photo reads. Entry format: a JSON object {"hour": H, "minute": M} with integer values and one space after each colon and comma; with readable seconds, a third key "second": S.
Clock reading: {"hour": 6, "minute": 53}
